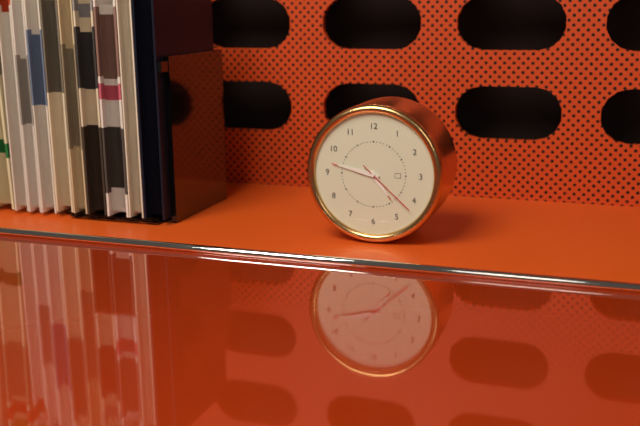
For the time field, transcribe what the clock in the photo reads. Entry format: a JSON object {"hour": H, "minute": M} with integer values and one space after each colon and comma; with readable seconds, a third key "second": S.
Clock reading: {"hour": 4, "minute": 47, "second": 22}
